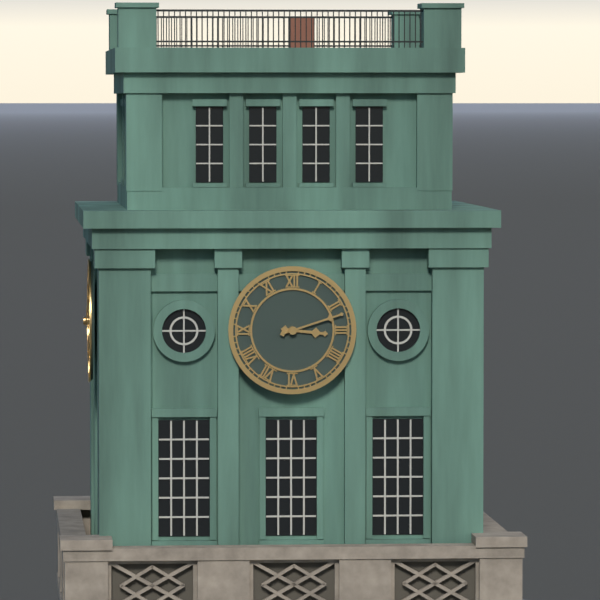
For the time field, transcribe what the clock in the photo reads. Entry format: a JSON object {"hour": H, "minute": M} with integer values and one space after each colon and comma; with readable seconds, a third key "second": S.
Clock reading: {"hour": 3, "minute": 12}
